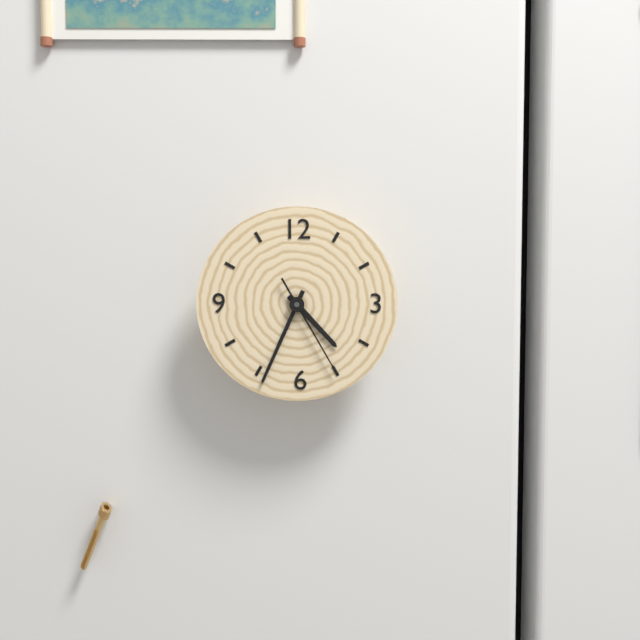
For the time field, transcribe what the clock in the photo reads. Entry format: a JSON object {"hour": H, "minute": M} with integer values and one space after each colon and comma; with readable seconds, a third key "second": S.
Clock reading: {"hour": 4, "minute": 34, "second": 25}
